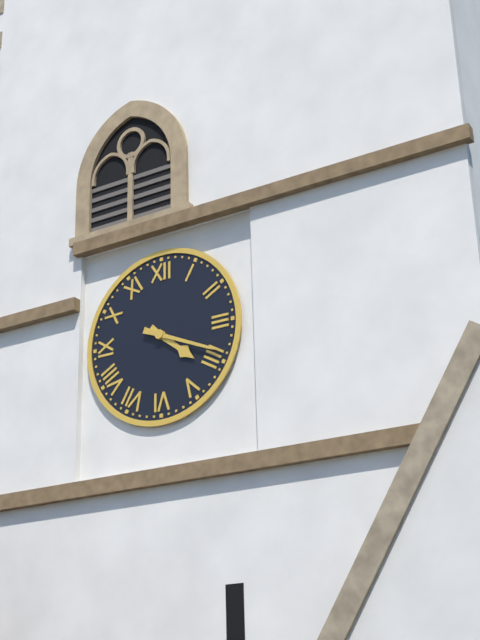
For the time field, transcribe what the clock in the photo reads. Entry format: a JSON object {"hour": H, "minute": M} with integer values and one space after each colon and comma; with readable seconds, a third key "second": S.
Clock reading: {"hour": 4, "minute": 19}
